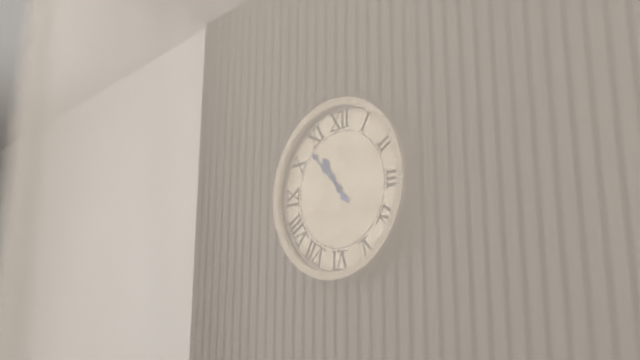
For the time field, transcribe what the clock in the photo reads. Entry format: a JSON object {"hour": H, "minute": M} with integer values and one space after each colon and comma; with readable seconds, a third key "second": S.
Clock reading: {"hour": 10, "minute": 53}
